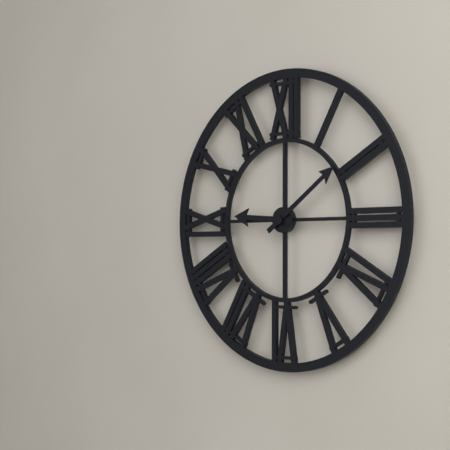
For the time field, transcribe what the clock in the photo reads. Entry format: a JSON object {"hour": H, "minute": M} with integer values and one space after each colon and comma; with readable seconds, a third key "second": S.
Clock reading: {"hour": 9, "minute": 9}
